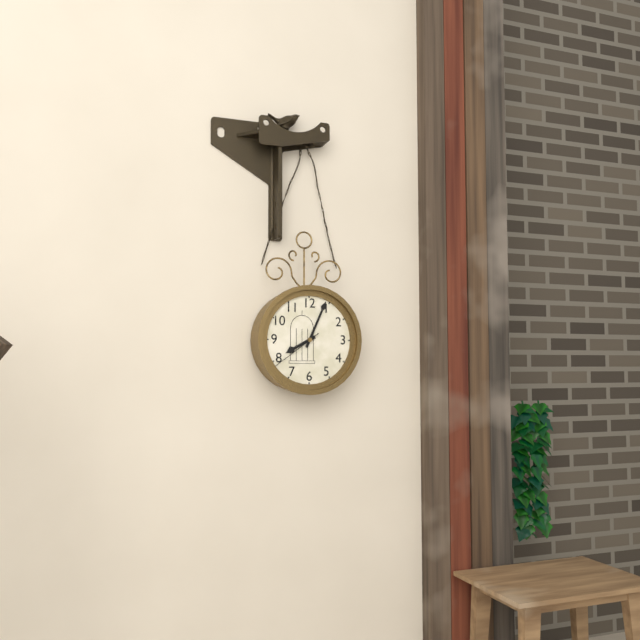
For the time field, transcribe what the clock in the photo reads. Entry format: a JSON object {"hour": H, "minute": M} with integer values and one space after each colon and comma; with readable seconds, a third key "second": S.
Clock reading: {"hour": 8, "minute": 4}
